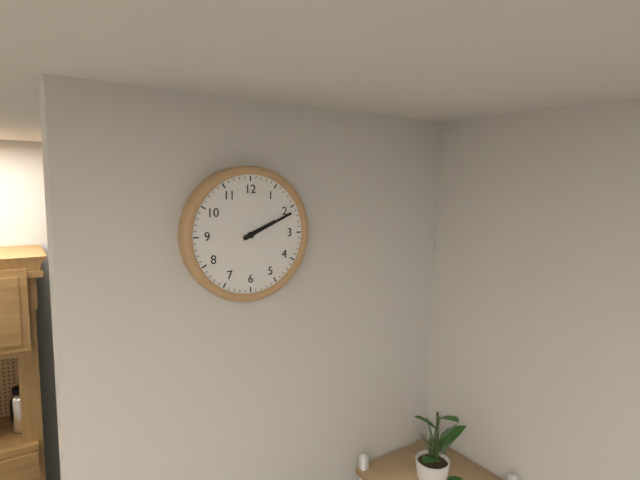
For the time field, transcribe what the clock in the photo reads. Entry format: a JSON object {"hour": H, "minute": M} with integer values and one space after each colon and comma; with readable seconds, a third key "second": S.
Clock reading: {"hour": 2, "minute": 11}
